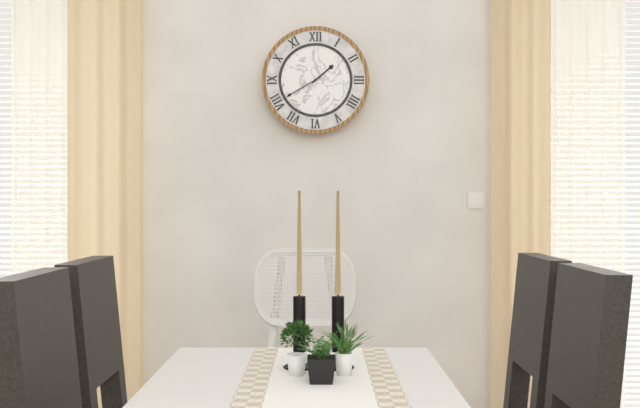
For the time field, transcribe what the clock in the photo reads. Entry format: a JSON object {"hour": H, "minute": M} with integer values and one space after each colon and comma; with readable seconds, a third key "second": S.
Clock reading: {"hour": 1, "minute": 40}
